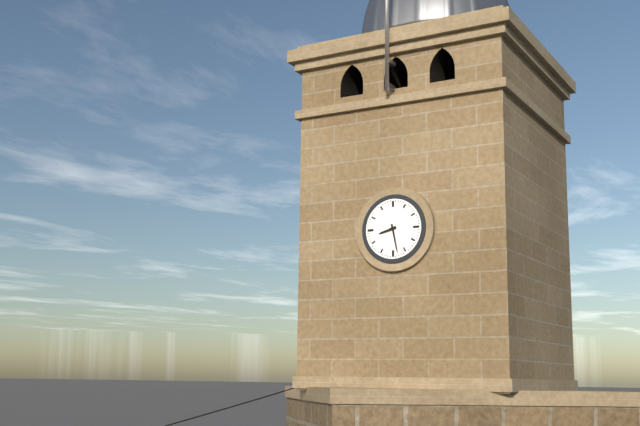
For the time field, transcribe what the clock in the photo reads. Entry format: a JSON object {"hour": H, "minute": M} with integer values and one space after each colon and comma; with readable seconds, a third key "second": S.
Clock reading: {"hour": 8, "minute": 28}
